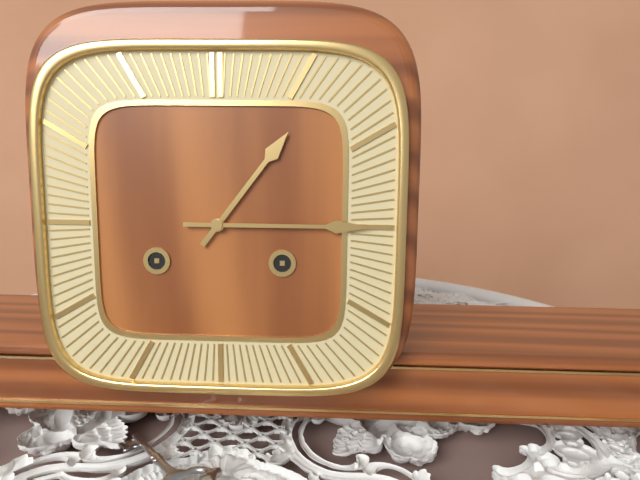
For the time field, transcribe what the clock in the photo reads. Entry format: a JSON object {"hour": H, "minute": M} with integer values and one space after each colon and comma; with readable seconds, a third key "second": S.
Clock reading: {"hour": 1, "minute": 15}
